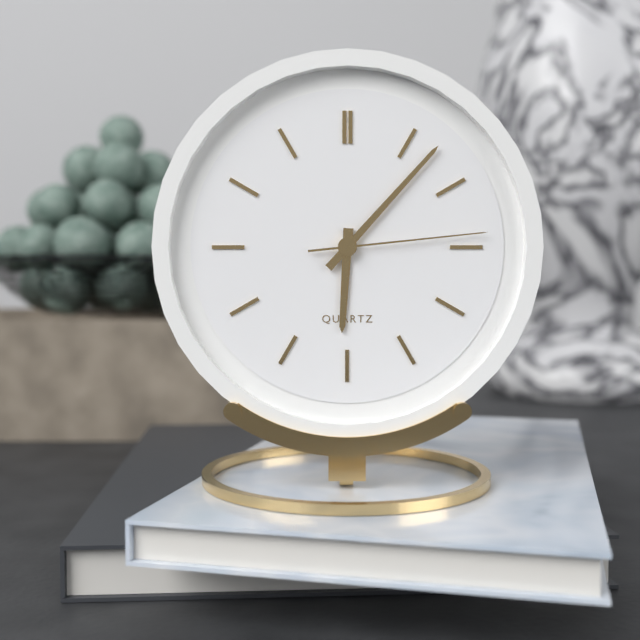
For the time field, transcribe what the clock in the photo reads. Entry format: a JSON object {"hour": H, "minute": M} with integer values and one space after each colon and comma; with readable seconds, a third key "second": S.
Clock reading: {"hour": 6, "minute": 7, "second": 14}
